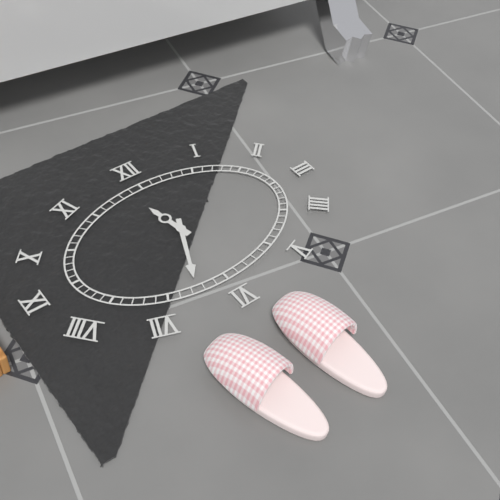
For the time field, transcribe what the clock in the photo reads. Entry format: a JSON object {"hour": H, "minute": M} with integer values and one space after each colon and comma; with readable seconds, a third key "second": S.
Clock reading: {"hour": 11, "minute": 34}
